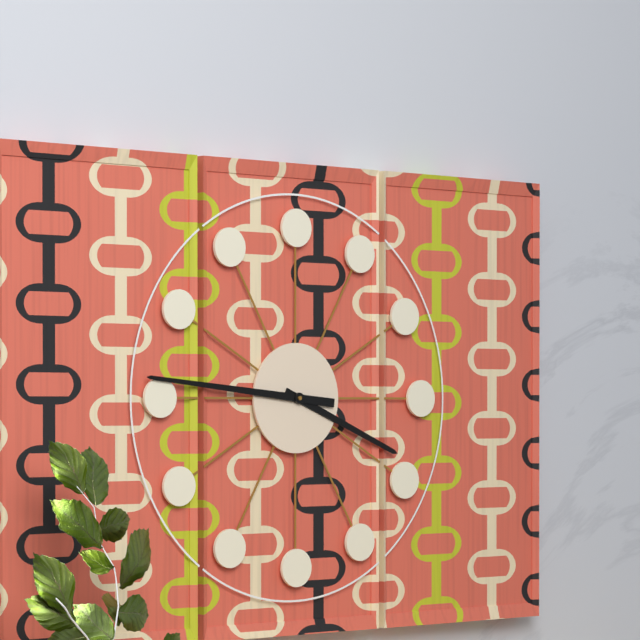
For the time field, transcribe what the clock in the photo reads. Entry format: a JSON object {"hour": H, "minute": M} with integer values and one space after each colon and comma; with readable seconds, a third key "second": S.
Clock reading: {"hour": 3, "minute": 46}
